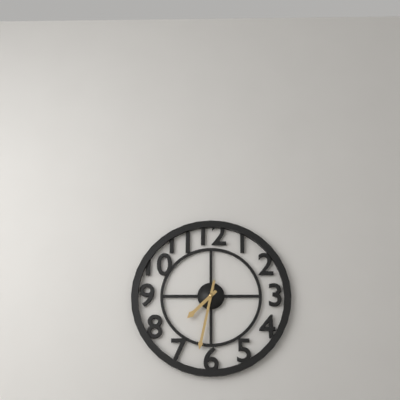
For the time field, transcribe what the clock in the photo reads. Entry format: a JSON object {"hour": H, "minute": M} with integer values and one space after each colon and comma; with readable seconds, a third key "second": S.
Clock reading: {"hour": 7, "minute": 32}
